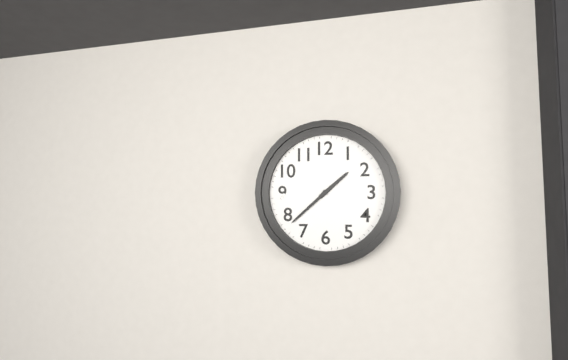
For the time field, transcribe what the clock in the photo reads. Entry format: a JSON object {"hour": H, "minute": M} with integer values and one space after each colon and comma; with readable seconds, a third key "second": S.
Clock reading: {"hour": 1, "minute": 38}
